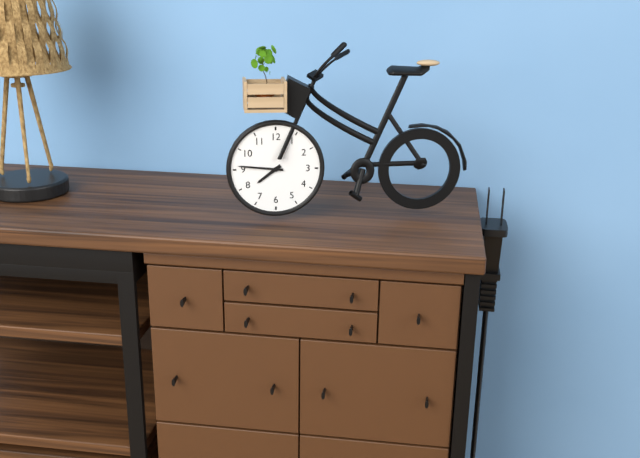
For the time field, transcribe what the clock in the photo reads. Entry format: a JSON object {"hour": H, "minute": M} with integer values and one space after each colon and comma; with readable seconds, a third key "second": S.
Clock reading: {"hour": 7, "minute": 46}
